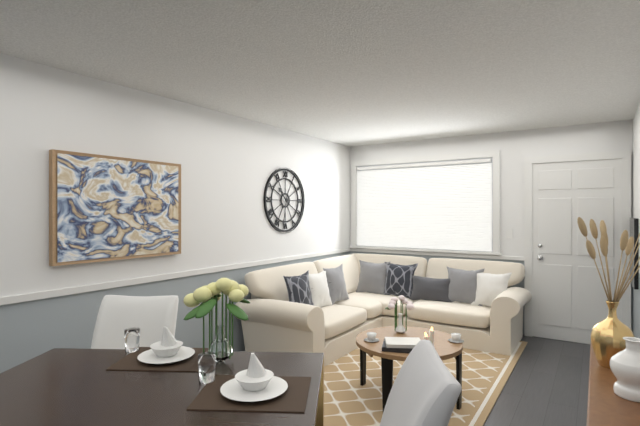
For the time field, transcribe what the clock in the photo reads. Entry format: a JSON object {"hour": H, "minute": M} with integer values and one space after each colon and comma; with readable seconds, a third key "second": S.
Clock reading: {"hour": 10, "minute": 32}
